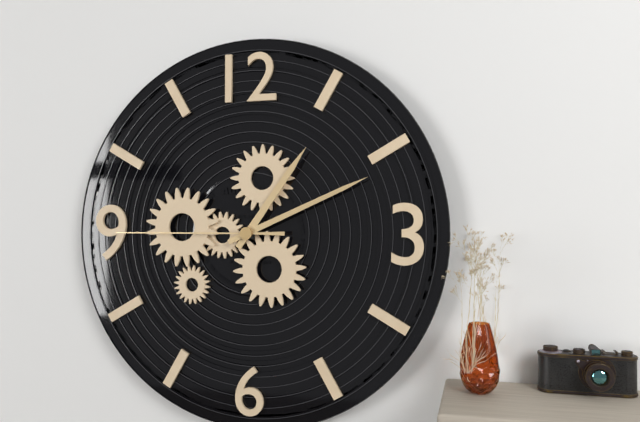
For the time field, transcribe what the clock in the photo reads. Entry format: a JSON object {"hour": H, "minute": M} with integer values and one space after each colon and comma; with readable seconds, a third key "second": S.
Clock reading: {"hour": 1, "minute": 11, "second": 45}
